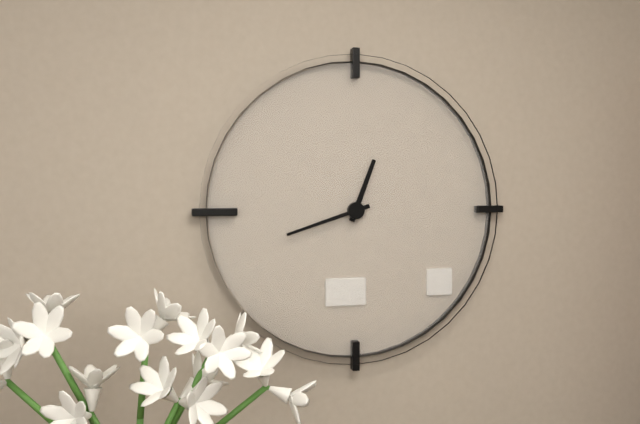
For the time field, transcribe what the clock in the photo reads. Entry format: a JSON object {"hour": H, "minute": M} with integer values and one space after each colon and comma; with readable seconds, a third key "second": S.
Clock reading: {"hour": 12, "minute": 42}
